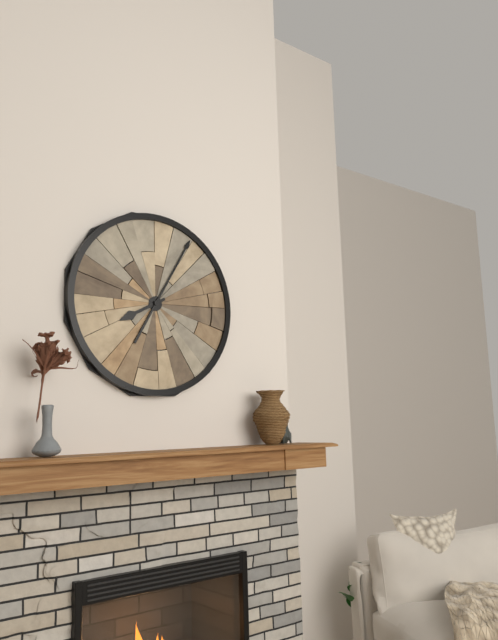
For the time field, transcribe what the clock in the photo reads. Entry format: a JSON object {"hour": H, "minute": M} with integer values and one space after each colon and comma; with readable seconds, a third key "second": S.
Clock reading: {"hour": 8, "minute": 5}
